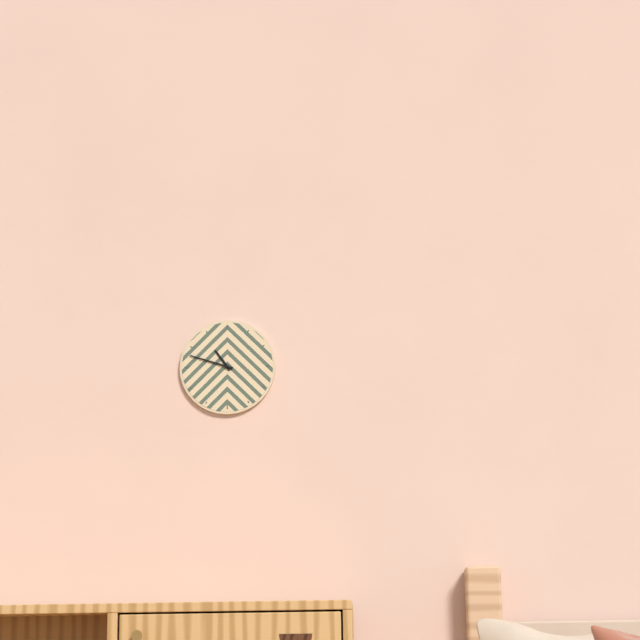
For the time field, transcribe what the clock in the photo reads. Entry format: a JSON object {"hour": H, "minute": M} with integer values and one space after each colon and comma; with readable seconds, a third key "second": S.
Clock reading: {"hour": 10, "minute": 48}
